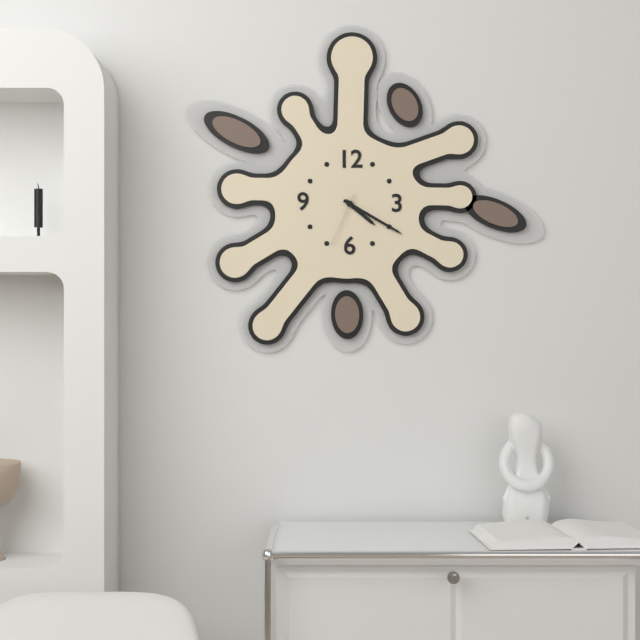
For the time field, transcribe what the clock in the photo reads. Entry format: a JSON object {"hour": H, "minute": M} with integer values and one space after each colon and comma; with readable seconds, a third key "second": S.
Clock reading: {"hour": 4, "minute": 20, "second": 34}
